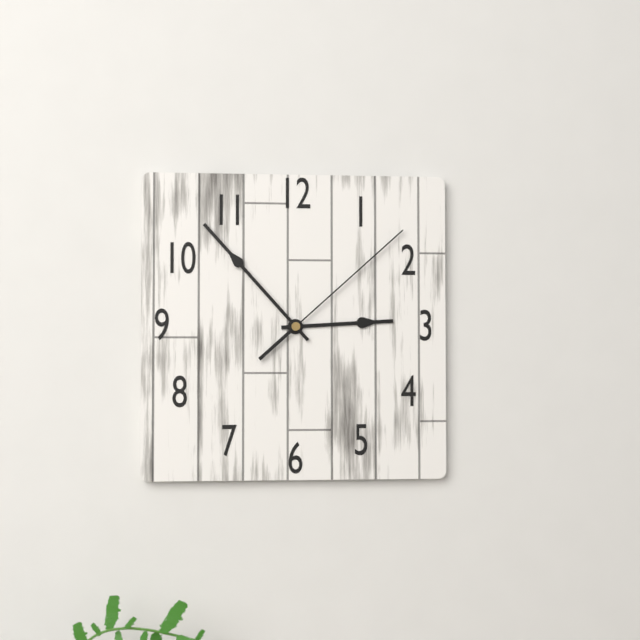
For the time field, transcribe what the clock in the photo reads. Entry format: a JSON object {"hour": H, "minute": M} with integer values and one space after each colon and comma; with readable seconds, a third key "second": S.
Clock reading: {"hour": 2, "minute": 53, "second": 8}
